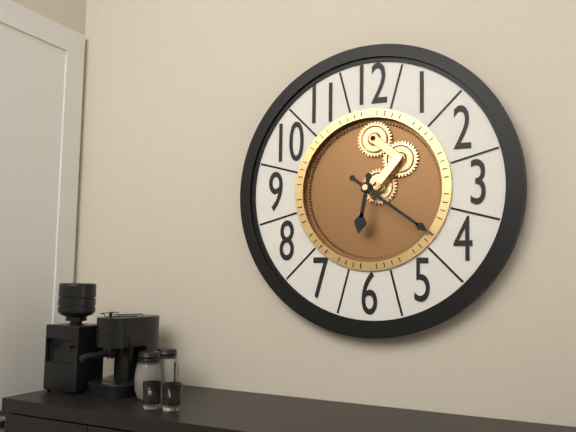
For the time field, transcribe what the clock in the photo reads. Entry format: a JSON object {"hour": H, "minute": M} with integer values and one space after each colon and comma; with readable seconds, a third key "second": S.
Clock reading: {"hour": 6, "minute": 21}
